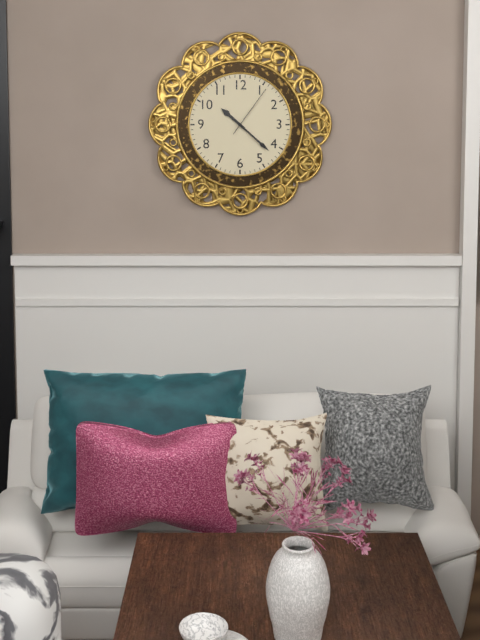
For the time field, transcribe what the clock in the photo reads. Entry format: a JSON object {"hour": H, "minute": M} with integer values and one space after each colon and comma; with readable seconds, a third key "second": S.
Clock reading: {"hour": 10, "minute": 22, "second": 6}
